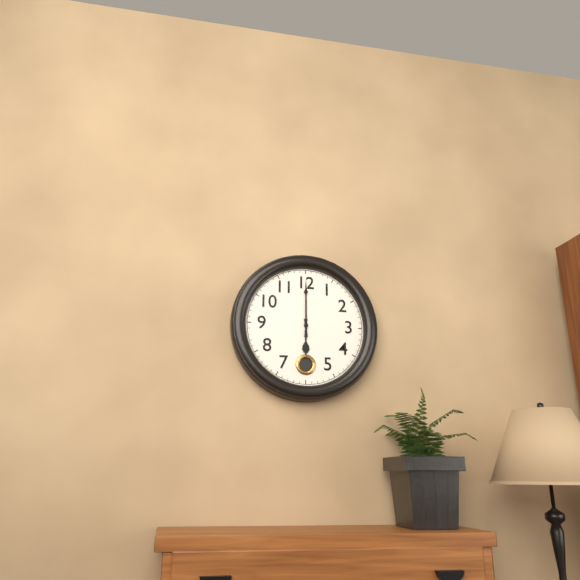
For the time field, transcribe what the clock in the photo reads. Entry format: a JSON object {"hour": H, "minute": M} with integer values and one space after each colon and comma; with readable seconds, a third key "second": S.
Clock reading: {"hour": 6, "minute": 0}
